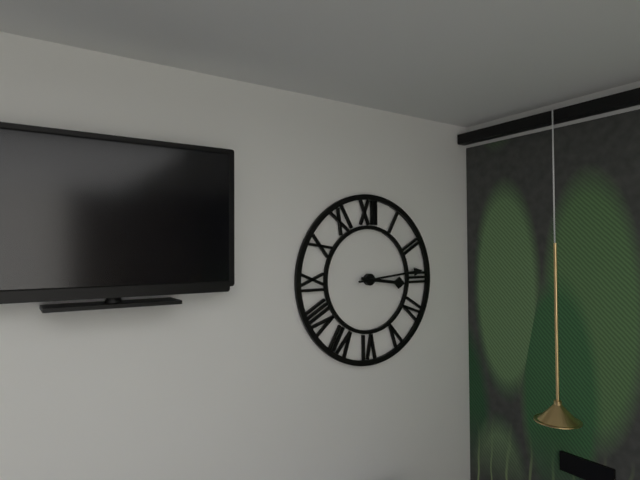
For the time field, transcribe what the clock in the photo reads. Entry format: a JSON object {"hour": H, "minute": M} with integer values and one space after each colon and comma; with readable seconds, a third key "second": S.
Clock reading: {"hour": 3, "minute": 14}
